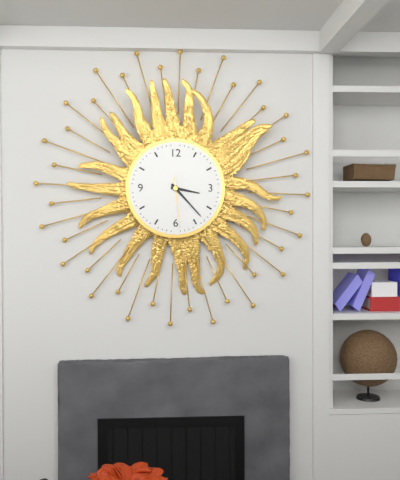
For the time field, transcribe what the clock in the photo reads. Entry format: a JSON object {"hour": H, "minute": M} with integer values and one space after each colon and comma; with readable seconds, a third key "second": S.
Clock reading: {"hour": 3, "minute": 23, "second": 29}
